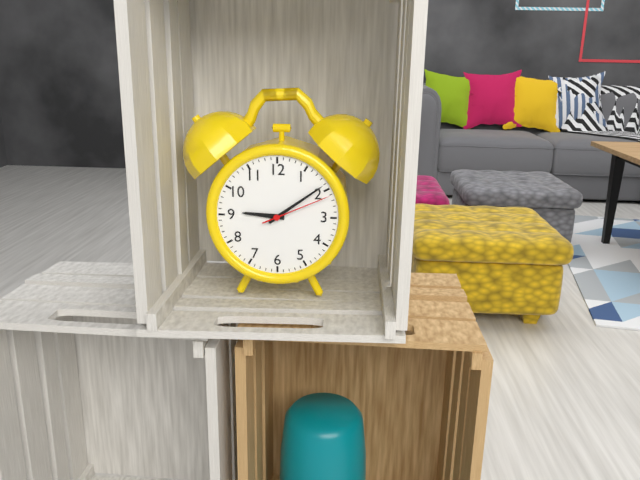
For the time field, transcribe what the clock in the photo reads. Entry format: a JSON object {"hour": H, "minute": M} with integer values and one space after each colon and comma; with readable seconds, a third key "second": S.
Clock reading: {"hour": 9, "minute": 9, "second": 11}
